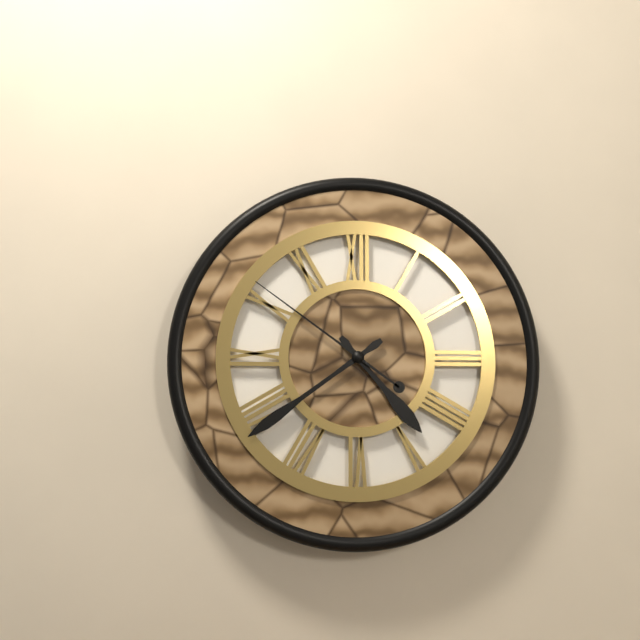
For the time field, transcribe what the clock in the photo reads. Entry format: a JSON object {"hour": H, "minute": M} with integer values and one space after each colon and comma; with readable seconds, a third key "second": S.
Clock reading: {"hour": 4, "minute": 39, "second": 51}
